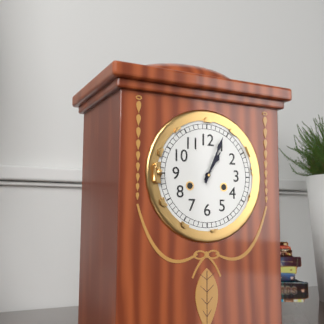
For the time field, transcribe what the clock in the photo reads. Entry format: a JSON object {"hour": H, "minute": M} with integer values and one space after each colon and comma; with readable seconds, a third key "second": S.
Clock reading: {"hour": 1, "minute": 4}
